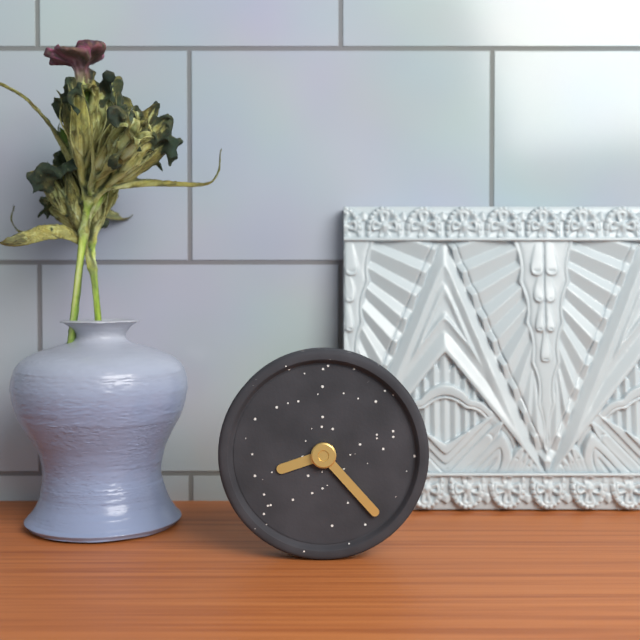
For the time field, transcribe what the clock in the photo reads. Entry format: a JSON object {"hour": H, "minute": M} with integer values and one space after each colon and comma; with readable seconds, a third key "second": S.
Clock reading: {"hour": 8, "minute": 23}
